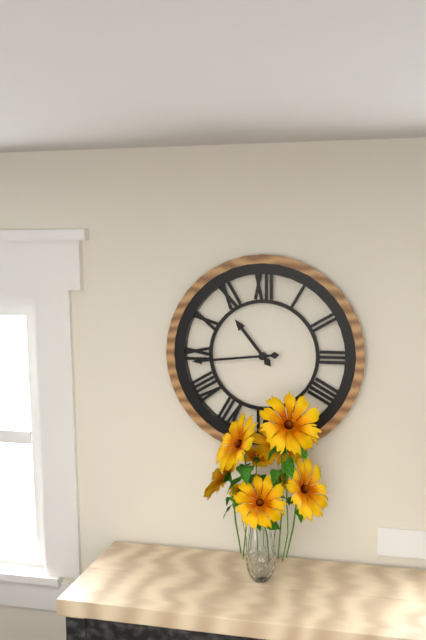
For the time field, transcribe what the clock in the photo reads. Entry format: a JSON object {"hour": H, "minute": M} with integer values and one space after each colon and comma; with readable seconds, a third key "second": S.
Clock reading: {"hour": 10, "minute": 44}
